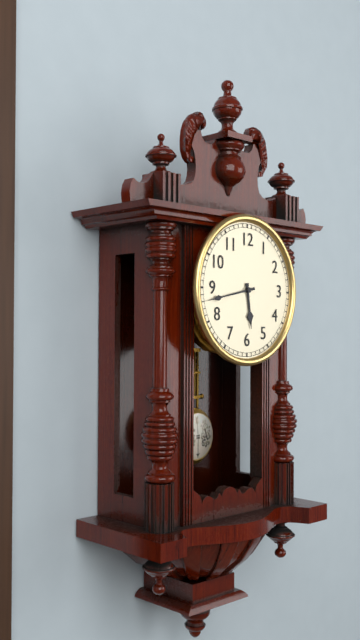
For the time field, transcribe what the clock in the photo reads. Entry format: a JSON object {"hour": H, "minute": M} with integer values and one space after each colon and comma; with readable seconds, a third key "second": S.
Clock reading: {"hour": 5, "minute": 43}
